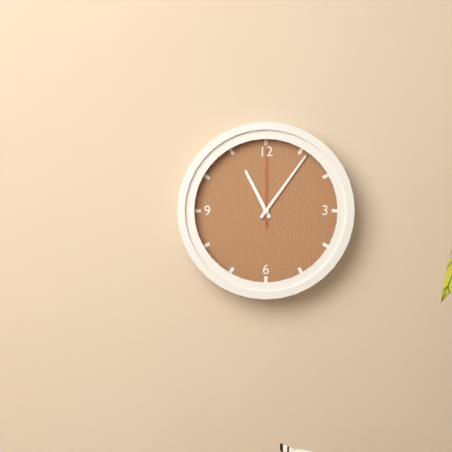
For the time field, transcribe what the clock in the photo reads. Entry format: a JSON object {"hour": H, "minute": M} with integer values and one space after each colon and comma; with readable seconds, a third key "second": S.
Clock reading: {"hour": 11, "minute": 6, "second": 0}
